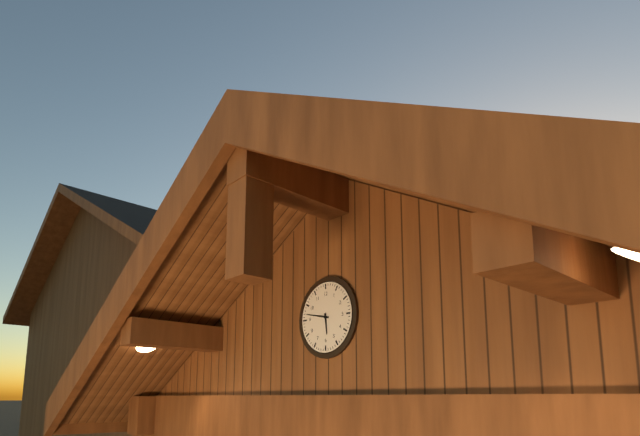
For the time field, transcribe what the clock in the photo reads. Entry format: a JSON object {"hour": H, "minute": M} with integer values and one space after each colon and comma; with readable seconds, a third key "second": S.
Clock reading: {"hour": 5, "minute": 47}
